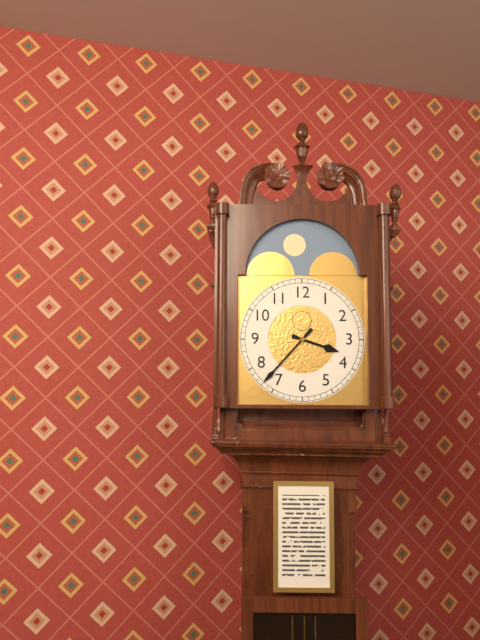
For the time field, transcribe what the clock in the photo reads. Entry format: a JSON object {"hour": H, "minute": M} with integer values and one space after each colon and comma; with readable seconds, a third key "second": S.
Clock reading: {"hour": 3, "minute": 37}
